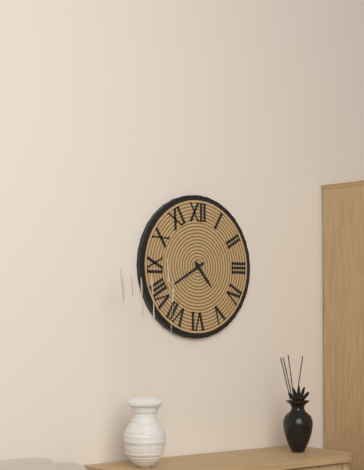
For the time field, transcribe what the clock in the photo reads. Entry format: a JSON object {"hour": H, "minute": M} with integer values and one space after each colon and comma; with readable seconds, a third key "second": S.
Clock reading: {"hour": 4, "minute": 40}
